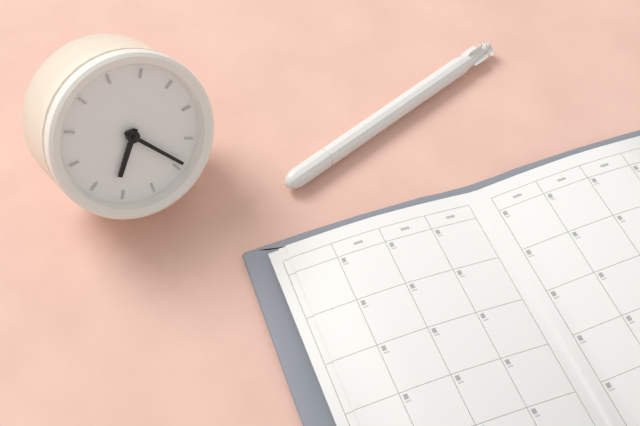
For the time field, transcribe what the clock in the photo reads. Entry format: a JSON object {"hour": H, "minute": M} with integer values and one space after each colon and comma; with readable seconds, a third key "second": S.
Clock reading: {"hour": 6, "minute": 19}
